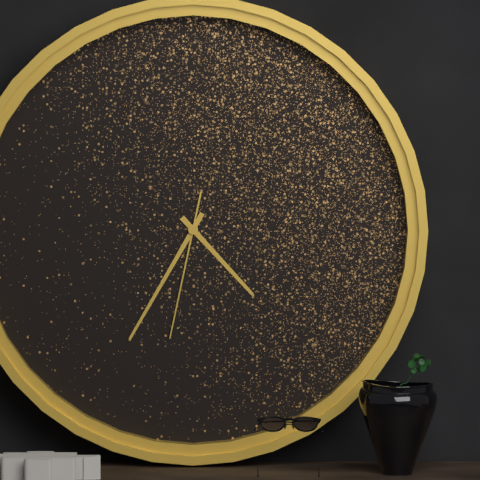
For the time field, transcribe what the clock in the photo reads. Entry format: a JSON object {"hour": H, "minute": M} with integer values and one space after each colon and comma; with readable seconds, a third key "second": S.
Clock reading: {"hour": 4, "minute": 35, "second": 32}
